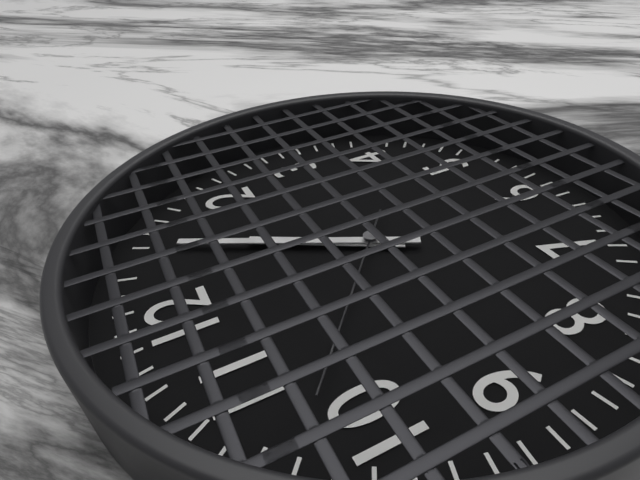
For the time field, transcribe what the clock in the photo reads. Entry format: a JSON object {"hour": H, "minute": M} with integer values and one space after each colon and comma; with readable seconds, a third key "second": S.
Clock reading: {"hour": 1, "minute": 5, "second": 52}
